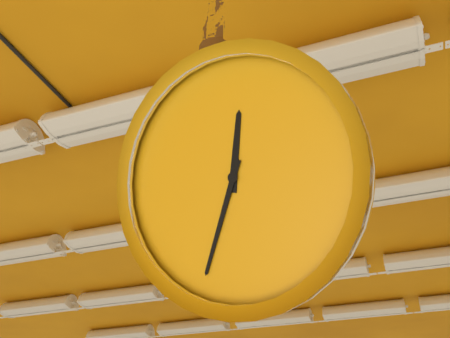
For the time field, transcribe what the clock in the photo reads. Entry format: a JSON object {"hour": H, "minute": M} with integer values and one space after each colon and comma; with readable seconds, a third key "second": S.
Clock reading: {"hour": 12, "minute": 35}
